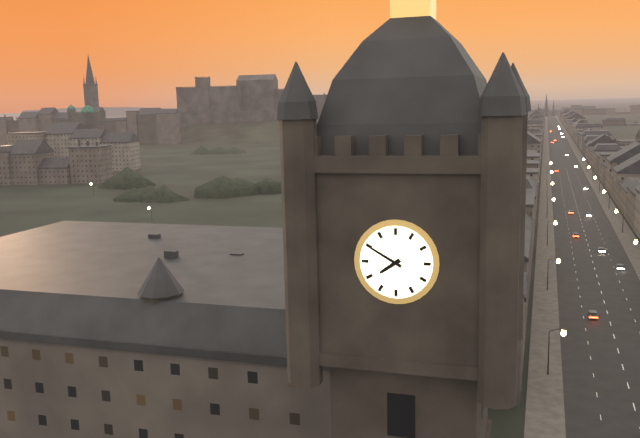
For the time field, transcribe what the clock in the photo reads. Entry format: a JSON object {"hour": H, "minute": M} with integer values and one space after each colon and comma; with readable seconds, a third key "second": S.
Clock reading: {"hour": 7, "minute": 50}
